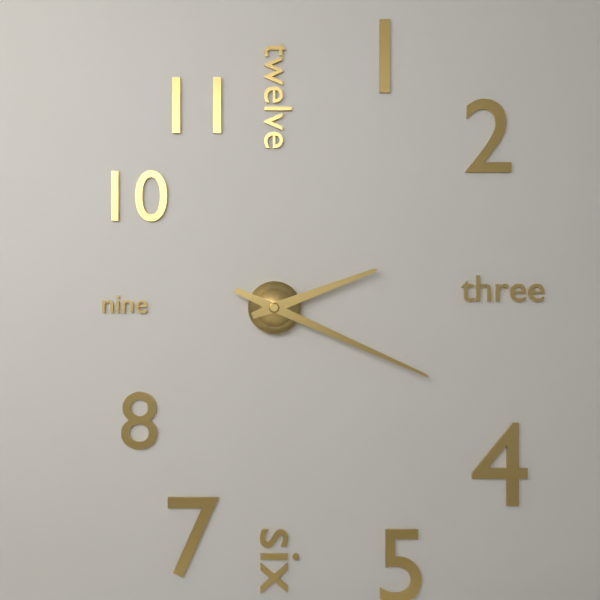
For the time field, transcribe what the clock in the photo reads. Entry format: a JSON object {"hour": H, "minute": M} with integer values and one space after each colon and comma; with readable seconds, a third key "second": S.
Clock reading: {"hour": 2, "minute": 19}
